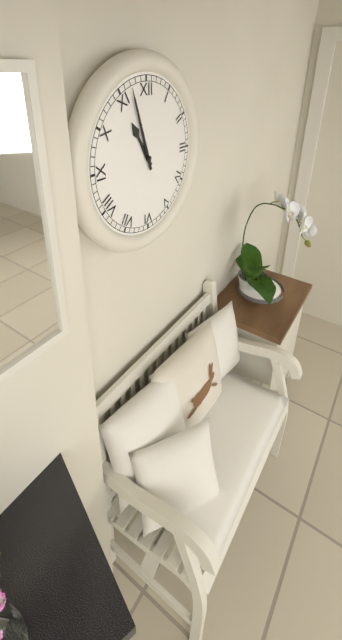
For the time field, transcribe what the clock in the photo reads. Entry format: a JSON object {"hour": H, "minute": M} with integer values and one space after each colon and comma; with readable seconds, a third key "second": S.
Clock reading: {"hour": 10, "minute": 57}
